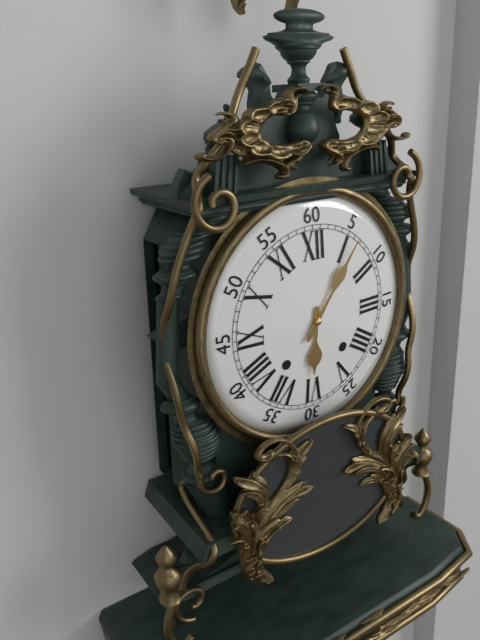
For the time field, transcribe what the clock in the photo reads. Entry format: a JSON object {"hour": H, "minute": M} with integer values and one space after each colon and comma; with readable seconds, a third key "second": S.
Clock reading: {"hour": 6, "minute": 6}
